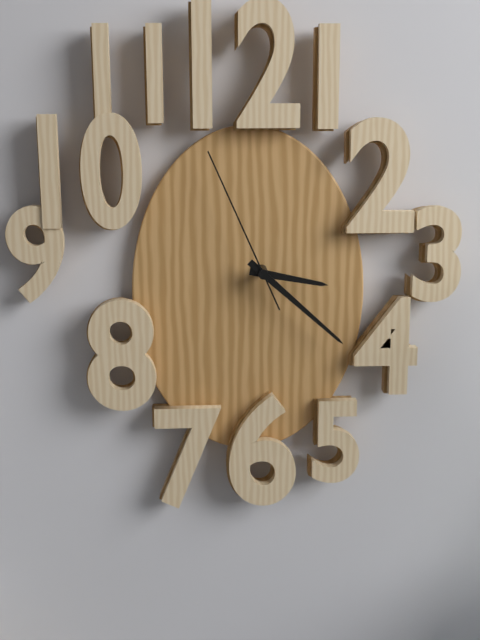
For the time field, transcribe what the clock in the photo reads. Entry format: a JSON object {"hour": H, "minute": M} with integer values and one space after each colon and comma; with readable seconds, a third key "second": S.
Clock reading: {"hour": 3, "minute": 22, "second": 56}
